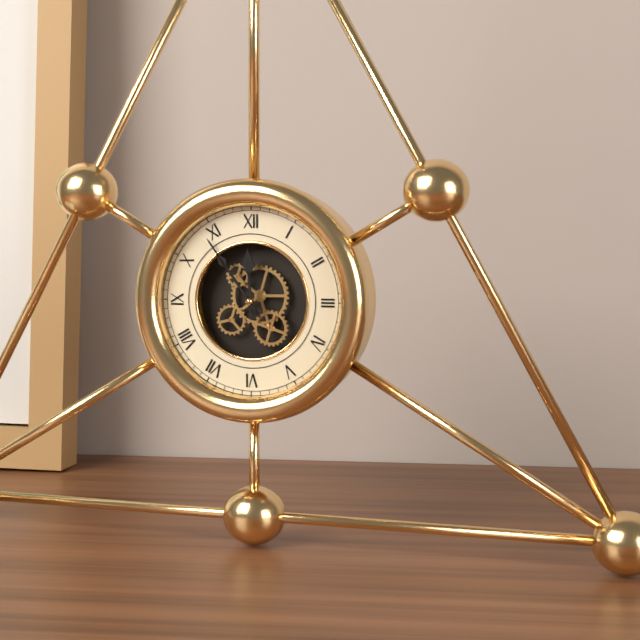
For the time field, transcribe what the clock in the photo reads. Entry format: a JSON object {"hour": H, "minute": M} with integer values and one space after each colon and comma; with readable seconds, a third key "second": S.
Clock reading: {"hour": 11, "minute": 54}
